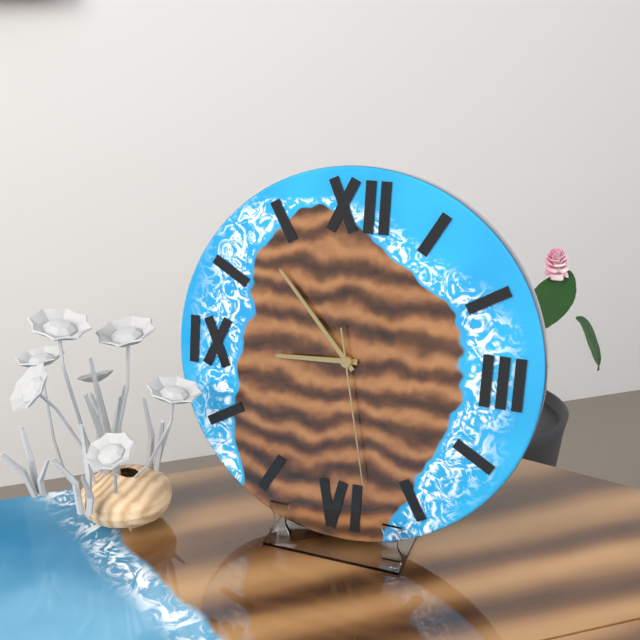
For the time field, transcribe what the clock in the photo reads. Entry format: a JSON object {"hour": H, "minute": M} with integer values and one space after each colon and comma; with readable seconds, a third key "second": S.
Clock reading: {"hour": 8, "minute": 53, "second": 28}
